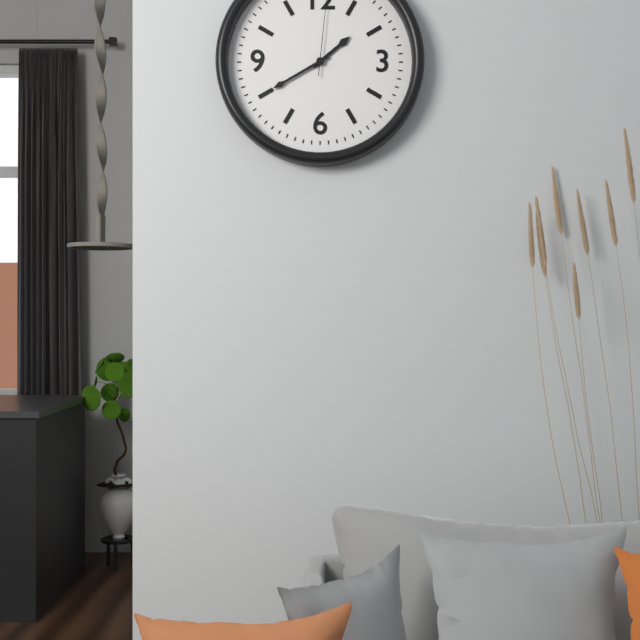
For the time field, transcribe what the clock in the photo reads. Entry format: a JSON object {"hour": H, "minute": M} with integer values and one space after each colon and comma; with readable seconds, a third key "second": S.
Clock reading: {"hour": 1, "minute": 40}
